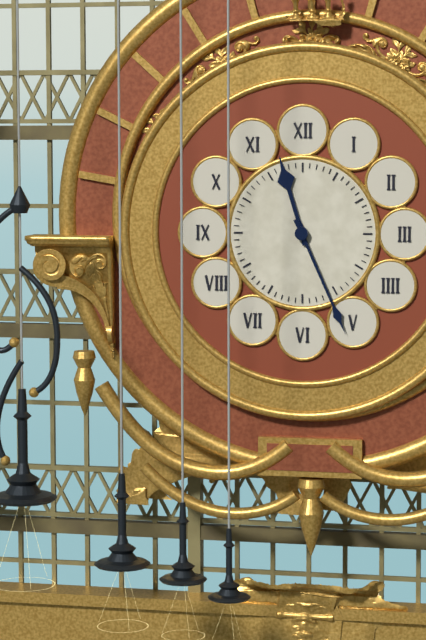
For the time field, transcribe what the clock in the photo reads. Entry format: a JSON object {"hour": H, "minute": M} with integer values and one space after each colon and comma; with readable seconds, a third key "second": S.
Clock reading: {"hour": 11, "minute": 26}
